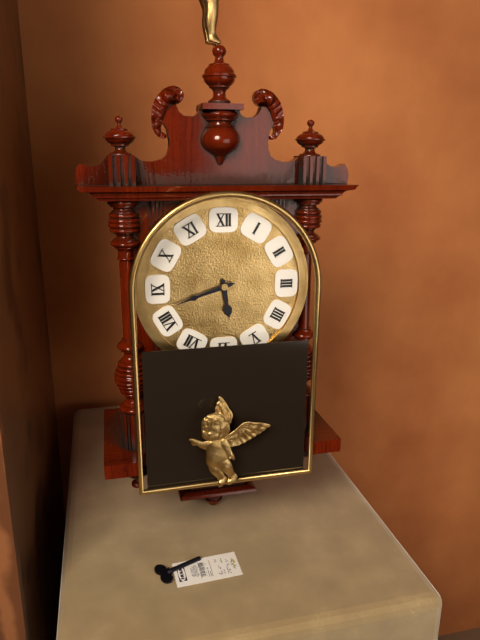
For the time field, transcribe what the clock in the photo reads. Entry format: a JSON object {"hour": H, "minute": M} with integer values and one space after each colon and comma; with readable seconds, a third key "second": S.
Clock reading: {"hour": 5, "minute": 42}
